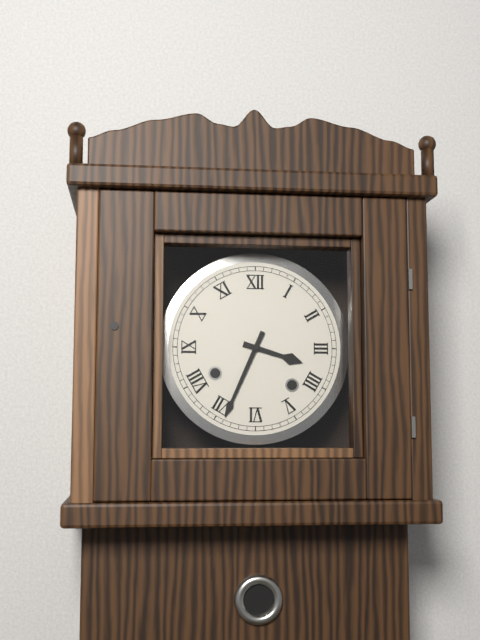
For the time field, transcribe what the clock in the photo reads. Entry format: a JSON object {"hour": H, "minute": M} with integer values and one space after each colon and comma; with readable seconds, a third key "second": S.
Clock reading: {"hour": 3, "minute": 34}
